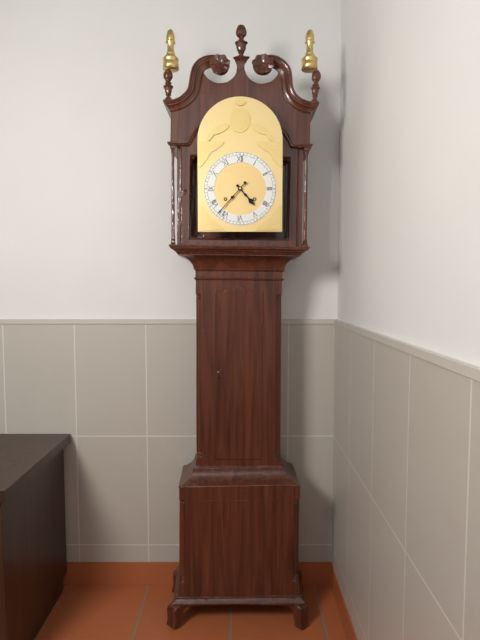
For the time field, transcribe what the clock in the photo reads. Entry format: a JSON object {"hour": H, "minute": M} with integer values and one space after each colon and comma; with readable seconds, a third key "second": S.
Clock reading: {"hour": 4, "minute": 37}
